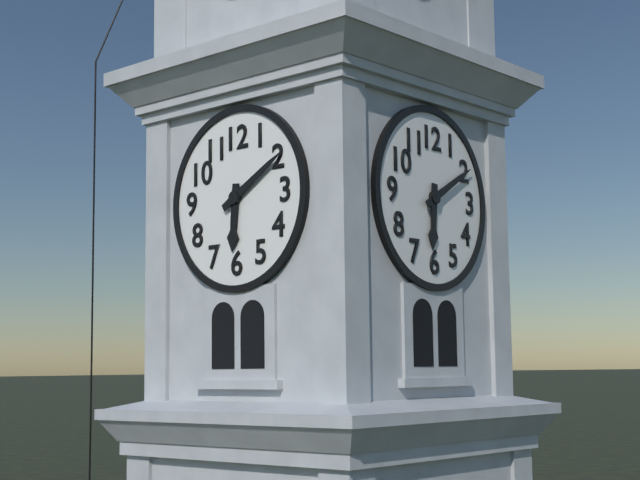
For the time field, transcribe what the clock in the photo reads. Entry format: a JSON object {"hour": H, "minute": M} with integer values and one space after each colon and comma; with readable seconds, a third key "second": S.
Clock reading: {"hour": 6, "minute": 10}
